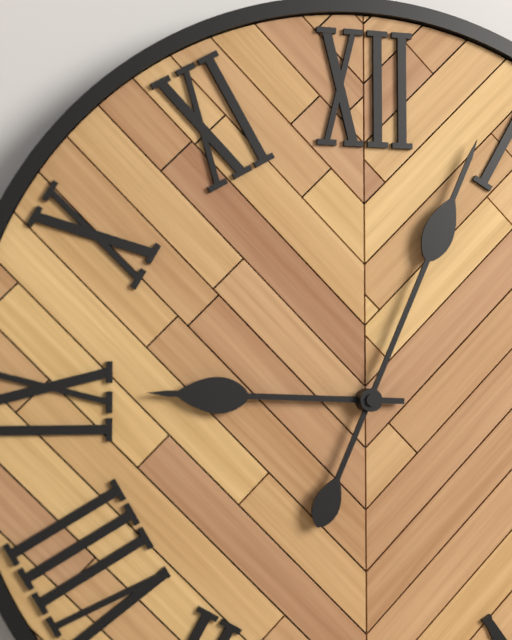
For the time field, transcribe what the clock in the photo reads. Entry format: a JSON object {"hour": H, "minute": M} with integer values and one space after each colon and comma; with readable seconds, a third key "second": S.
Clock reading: {"hour": 9, "minute": 4}
